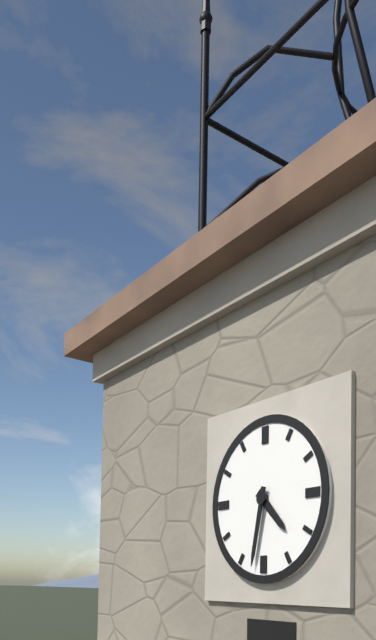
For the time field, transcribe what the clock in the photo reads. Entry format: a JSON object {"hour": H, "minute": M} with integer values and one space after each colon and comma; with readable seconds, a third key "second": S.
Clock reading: {"hour": 4, "minute": 32}
